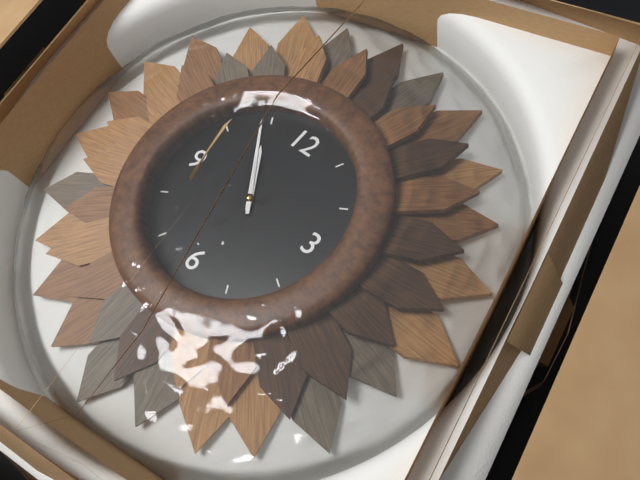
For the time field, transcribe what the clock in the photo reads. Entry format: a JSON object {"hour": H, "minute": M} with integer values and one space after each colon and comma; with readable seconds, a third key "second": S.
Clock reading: {"hour": 10, "minute": 54}
